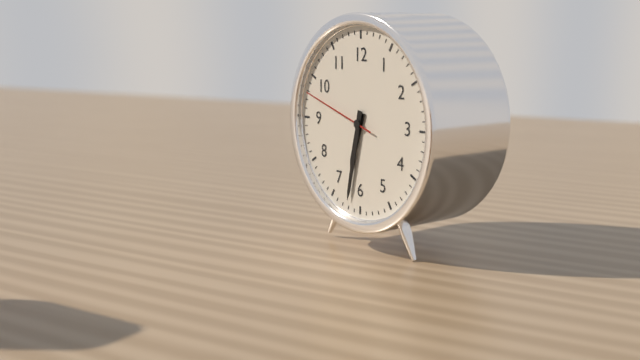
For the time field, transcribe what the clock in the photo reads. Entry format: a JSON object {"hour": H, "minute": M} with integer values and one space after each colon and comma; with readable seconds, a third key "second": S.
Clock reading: {"hour": 6, "minute": 32, "second": 48}
